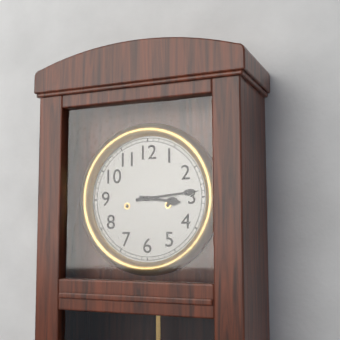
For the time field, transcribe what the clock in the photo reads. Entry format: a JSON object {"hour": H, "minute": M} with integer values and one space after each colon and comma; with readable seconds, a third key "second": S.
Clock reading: {"hour": 3, "minute": 14}
